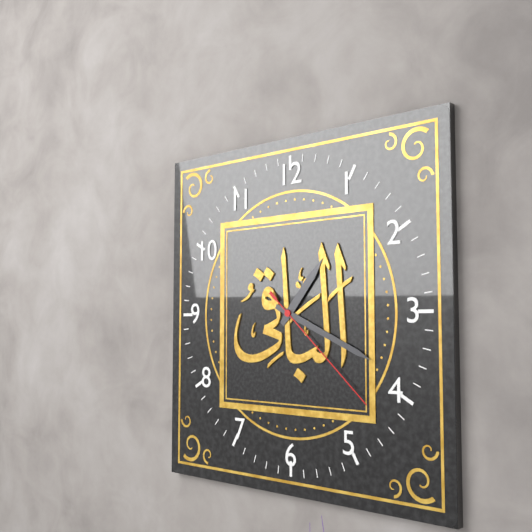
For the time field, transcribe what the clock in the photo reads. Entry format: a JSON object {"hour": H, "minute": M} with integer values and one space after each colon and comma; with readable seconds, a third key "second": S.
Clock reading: {"hour": 1, "minute": 19, "second": 22}
